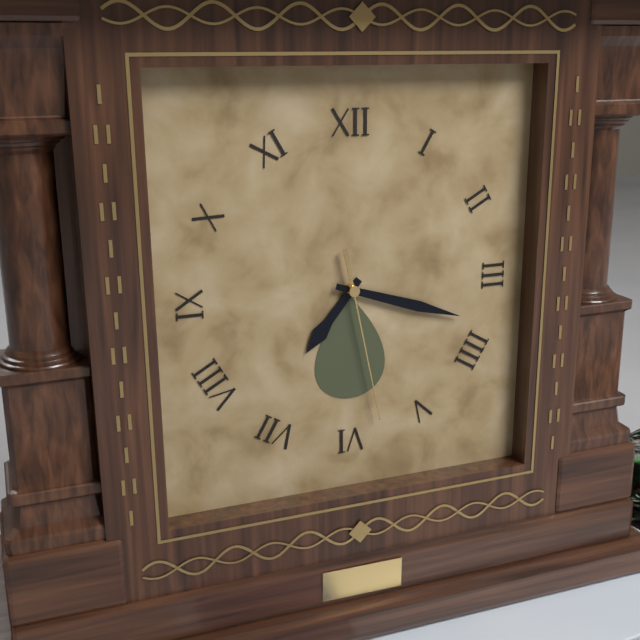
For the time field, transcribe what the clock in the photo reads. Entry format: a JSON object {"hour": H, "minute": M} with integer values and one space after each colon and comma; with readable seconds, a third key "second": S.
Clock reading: {"hour": 7, "minute": 18, "second": 28}
